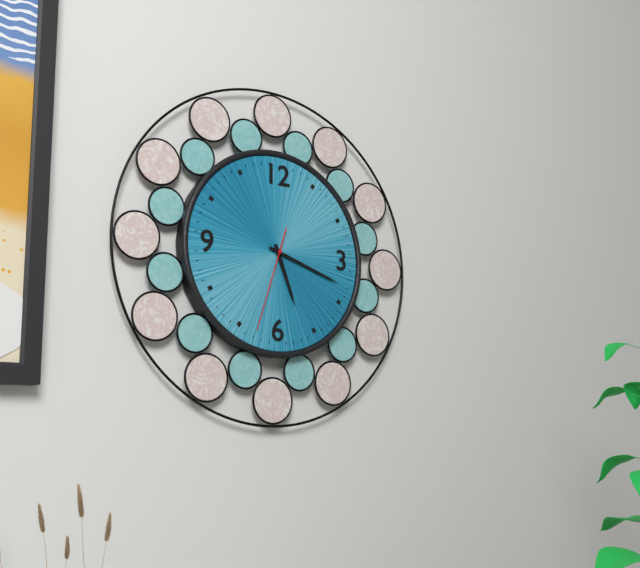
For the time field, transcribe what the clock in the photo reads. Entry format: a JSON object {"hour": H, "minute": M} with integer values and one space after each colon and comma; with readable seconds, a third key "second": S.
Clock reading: {"hour": 5, "minute": 18, "second": 33}
